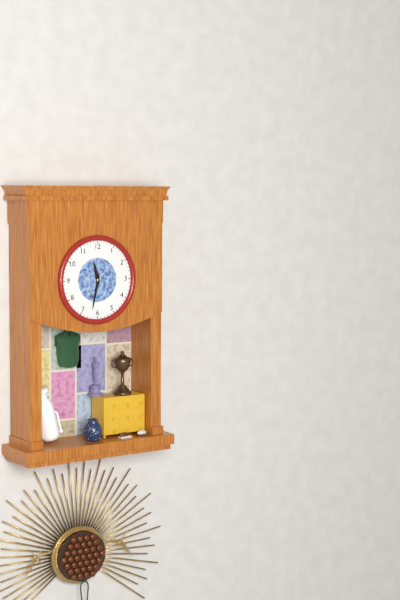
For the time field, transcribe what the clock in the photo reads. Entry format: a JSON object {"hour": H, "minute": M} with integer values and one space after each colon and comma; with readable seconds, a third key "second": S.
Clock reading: {"hour": 11, "minute": 32}
